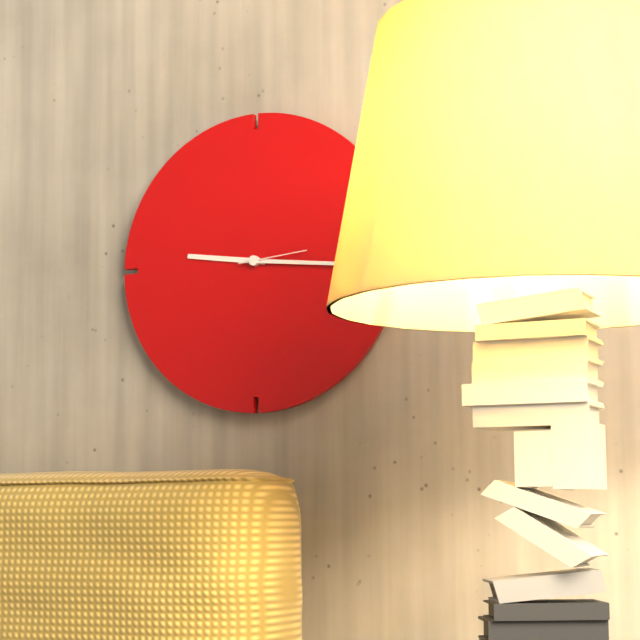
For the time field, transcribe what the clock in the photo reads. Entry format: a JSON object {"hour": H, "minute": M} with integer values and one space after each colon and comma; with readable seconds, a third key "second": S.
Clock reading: {"hour": 9, "minute": 16, "second": 14}
